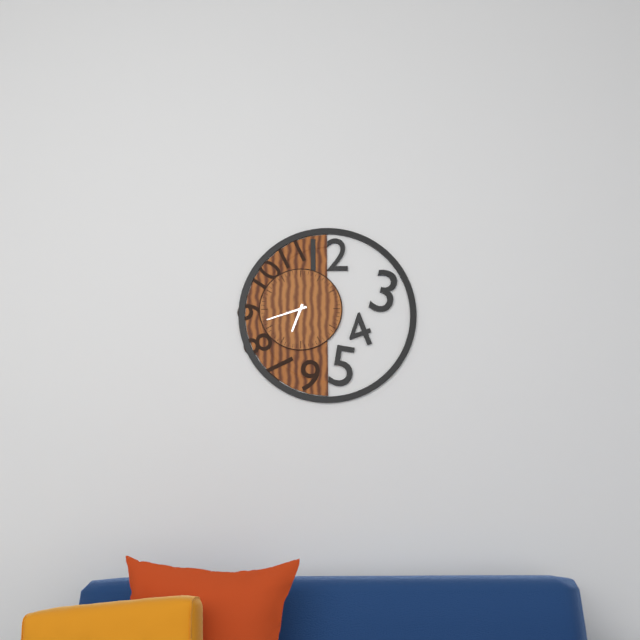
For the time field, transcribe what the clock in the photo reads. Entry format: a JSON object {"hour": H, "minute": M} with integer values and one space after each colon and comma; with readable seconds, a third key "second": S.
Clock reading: {"hour": 6, "minute": 42}
